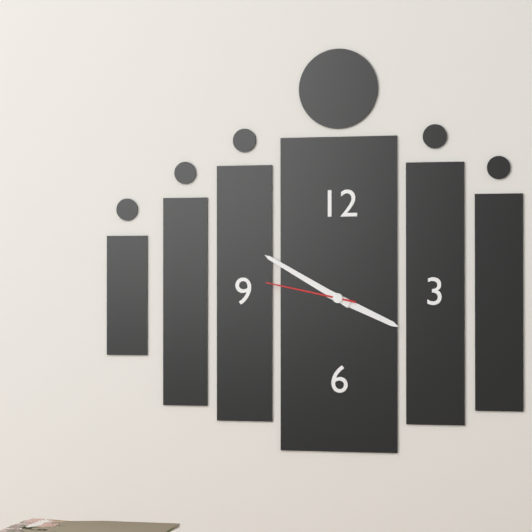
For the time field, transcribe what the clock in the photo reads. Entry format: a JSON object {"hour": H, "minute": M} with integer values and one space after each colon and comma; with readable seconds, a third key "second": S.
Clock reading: {"hour": 3, "minute": 50, "second": 47}
